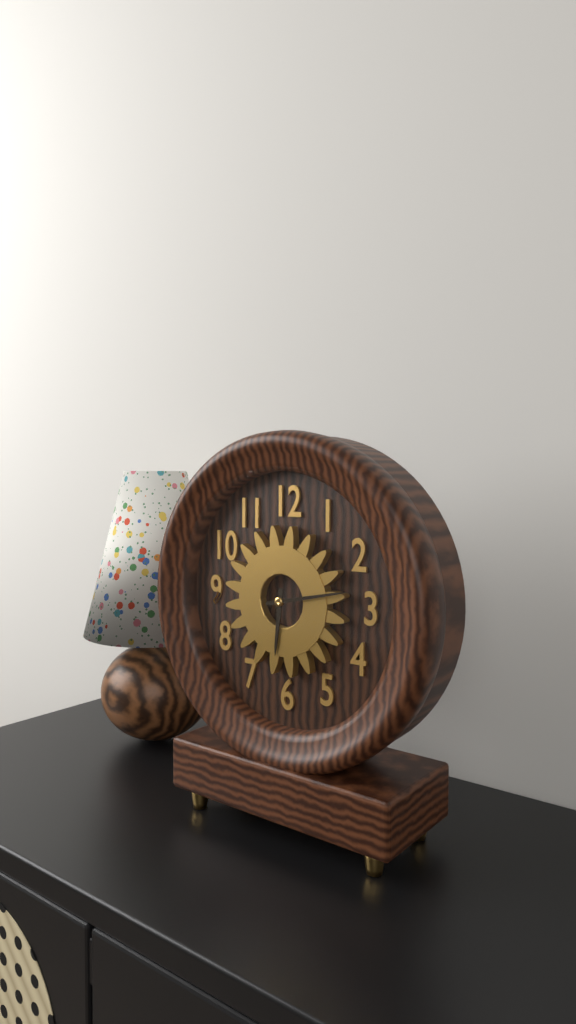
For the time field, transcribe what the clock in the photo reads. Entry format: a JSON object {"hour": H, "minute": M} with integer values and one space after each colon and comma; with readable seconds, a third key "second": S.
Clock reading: {"hour": 6, "minute": 13}
